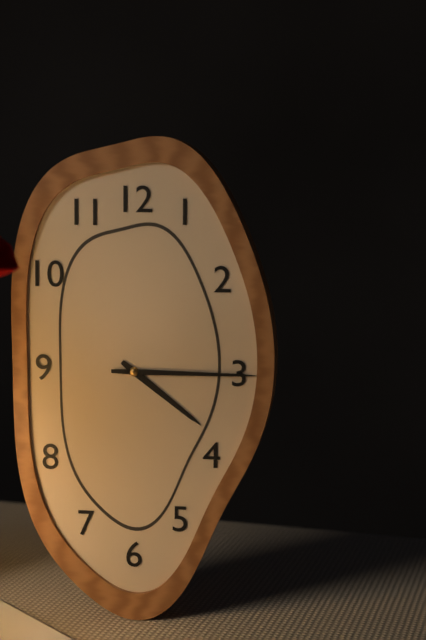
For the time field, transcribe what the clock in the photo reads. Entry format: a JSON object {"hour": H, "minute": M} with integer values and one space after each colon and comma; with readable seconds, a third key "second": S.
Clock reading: {"hour": 4, "minute": 15}
